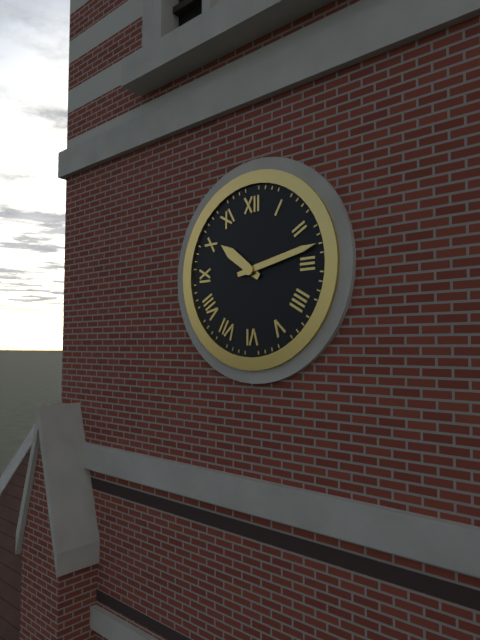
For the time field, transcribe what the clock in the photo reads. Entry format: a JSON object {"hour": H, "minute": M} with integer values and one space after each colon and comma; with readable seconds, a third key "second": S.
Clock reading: {"hour": 10, "minute": 13}
